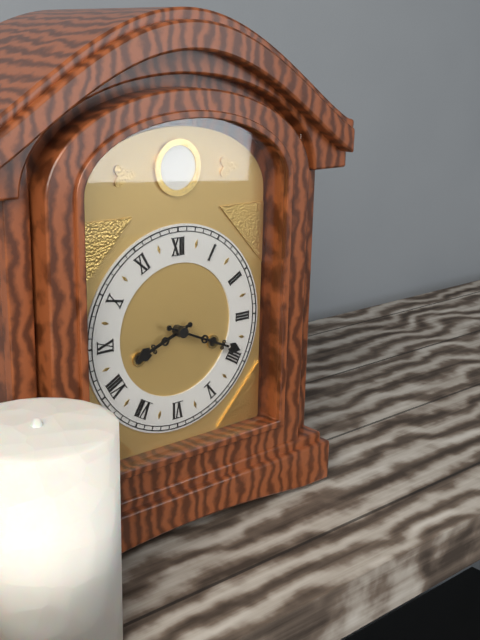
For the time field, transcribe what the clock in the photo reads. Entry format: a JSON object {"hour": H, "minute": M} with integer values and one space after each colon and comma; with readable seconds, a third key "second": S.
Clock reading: {"hour": 8, "minute": 19}
